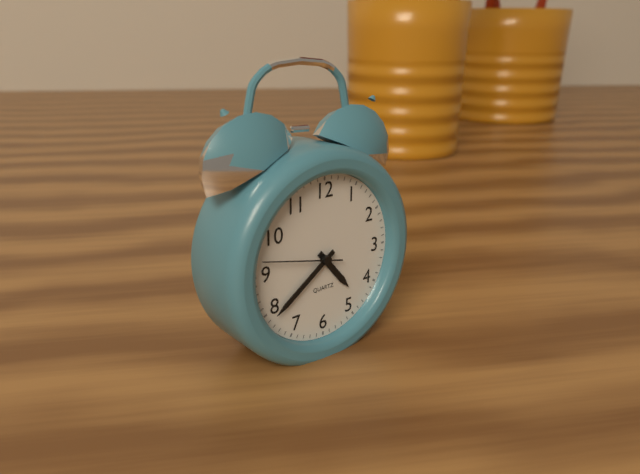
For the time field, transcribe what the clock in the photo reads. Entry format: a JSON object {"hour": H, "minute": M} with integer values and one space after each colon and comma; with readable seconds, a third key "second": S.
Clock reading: {"hour": 4, "minute": 39, "second": 47}
